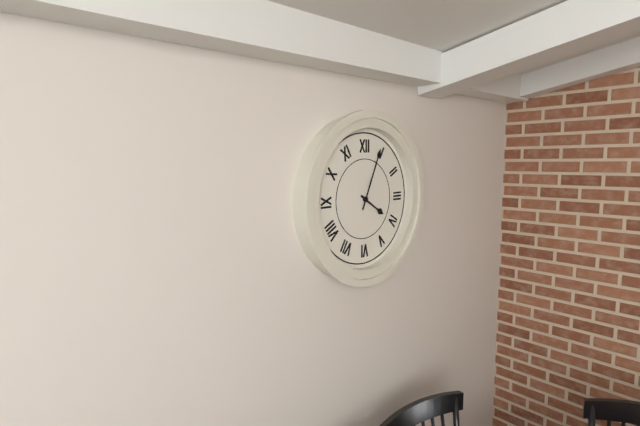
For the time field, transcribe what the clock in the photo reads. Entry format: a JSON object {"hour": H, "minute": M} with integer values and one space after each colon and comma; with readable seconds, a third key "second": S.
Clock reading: {"hour": 4, "minute": 4}
